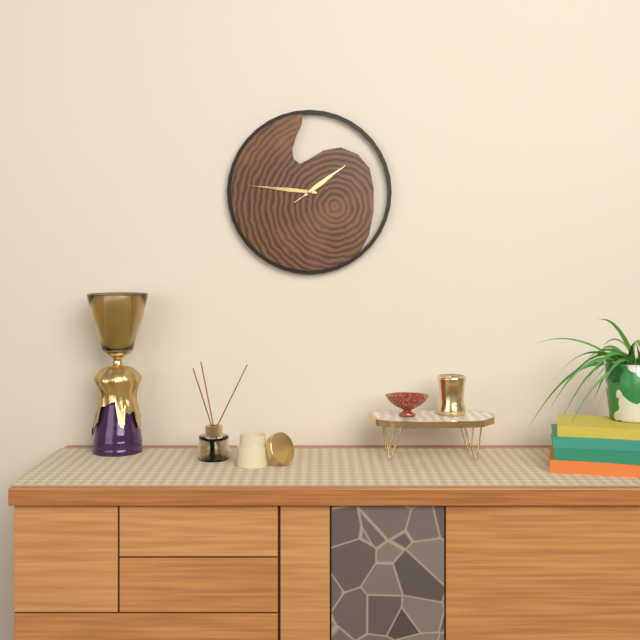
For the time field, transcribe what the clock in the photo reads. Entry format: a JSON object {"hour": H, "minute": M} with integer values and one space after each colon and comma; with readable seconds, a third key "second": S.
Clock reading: {"hour": 1, "minute": 46, "second": 9}
